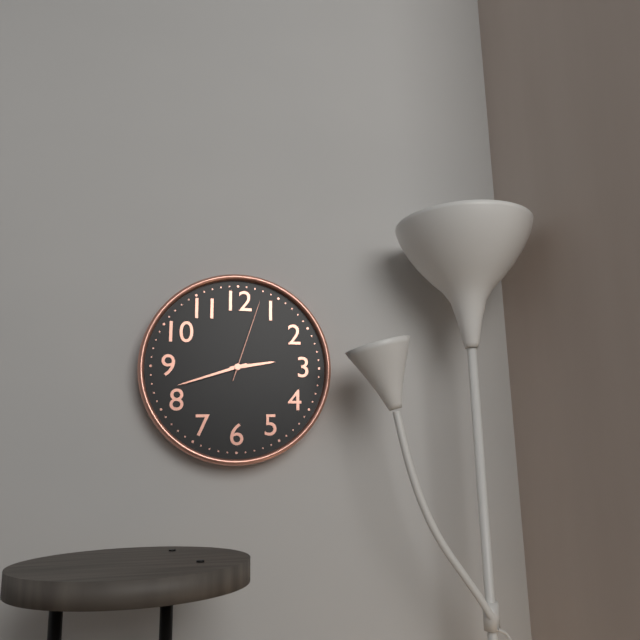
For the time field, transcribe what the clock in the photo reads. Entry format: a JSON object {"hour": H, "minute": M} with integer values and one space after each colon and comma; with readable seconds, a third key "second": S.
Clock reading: {"hour": 2, "minute": 42, "second": 3}
